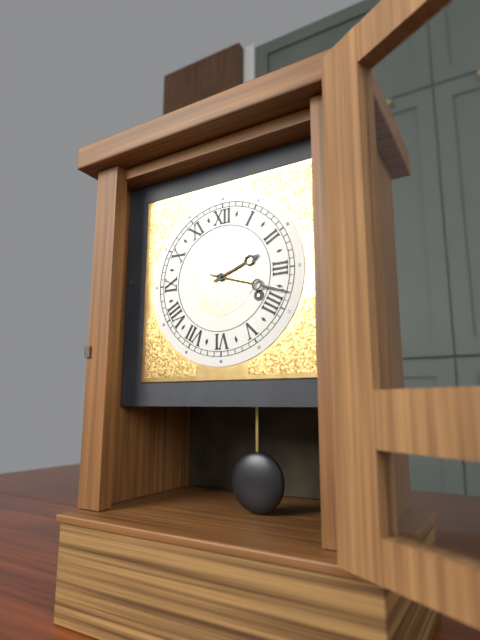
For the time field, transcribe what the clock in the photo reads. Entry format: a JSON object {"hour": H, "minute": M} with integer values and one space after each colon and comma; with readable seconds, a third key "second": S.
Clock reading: {"hour": 2, "minute": 18}
